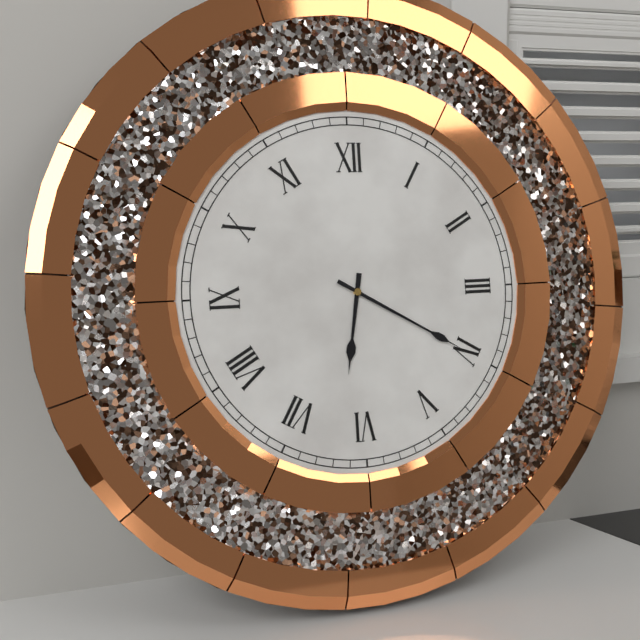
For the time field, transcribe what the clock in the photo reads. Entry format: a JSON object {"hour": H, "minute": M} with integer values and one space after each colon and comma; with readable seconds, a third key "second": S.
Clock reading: {"hour": 6, "minute": 20}
